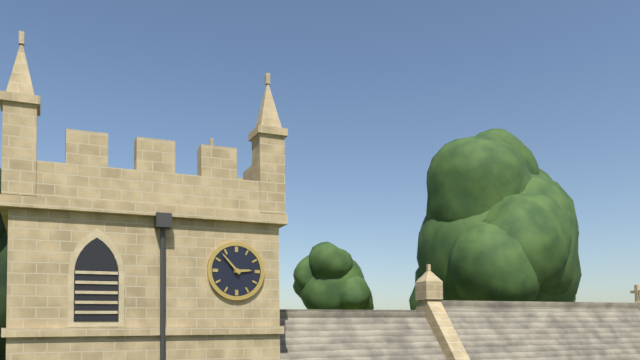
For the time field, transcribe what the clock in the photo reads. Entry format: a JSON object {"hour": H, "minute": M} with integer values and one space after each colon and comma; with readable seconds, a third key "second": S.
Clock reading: {"hour": 2, "minute": 53}
